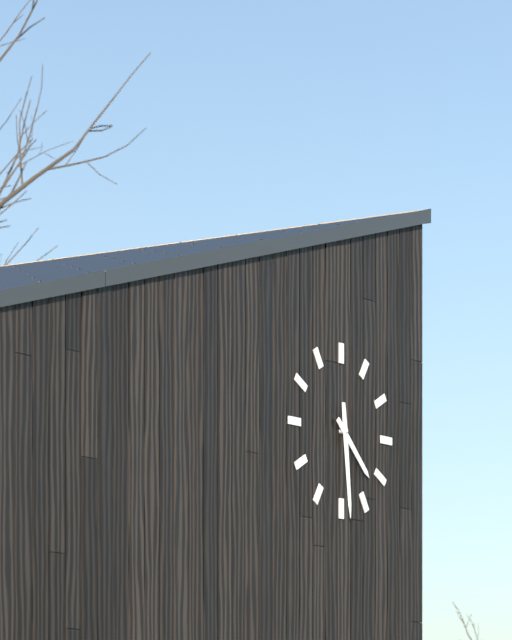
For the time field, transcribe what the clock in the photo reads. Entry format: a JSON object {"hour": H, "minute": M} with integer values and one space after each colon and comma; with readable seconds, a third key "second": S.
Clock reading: {"hour": 4, "minute": 29}
